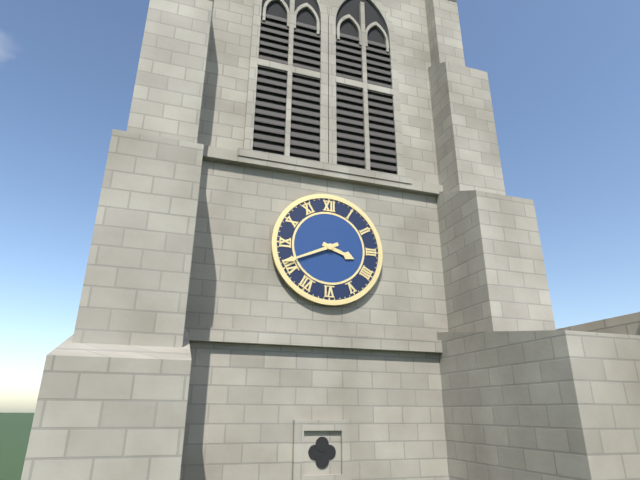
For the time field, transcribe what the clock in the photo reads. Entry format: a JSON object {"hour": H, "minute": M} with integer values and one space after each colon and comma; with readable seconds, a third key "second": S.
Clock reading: {"hour": 3, "minute": 41}
